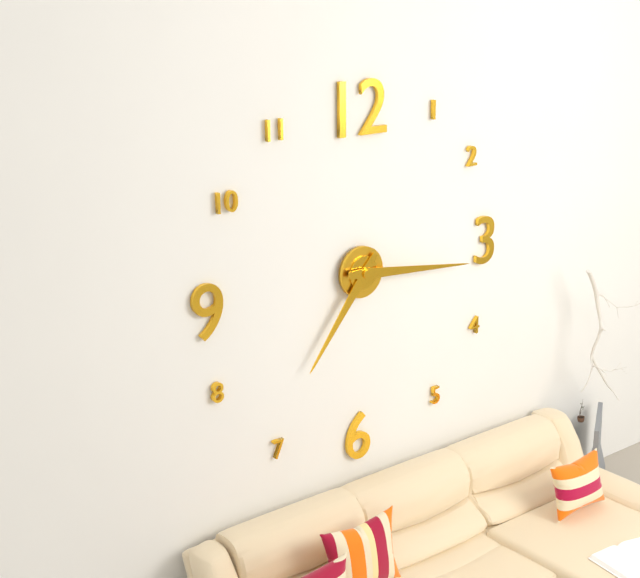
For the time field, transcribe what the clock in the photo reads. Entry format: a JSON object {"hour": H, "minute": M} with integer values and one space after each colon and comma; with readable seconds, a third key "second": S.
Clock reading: {"hour": 7, "minute": 16}
